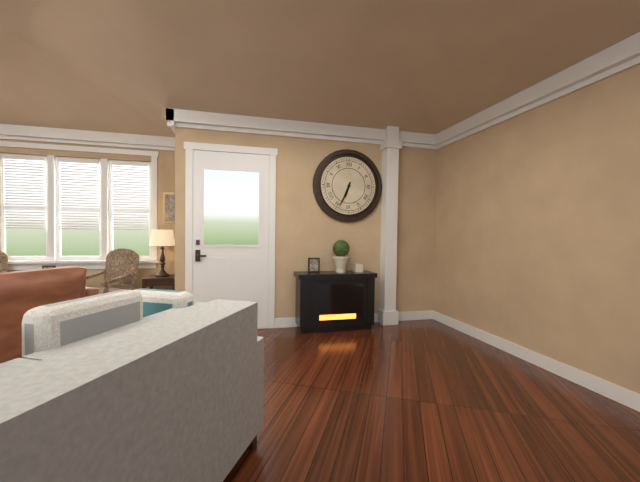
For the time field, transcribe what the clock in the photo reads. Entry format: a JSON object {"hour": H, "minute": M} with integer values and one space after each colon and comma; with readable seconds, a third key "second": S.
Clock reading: {"hour": 6, "minute": 34}
